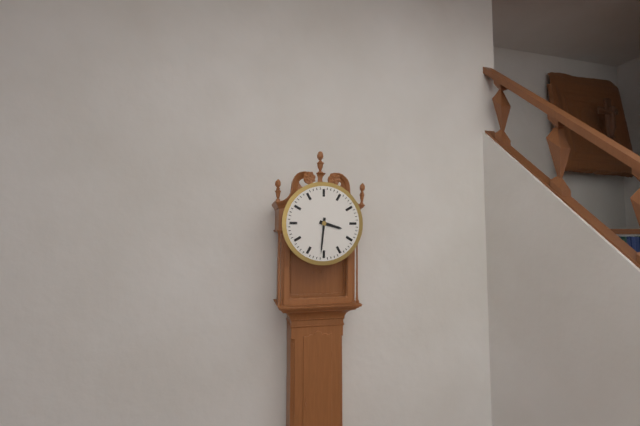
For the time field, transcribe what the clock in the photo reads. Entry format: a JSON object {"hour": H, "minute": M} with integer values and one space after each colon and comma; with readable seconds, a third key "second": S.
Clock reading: {"hour": 3, "minute": 31}
